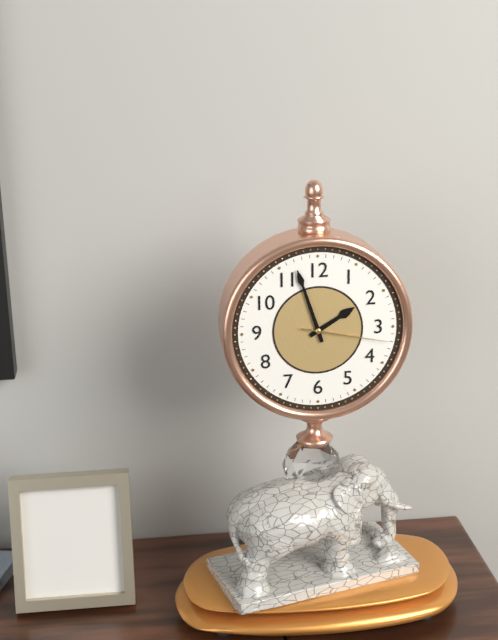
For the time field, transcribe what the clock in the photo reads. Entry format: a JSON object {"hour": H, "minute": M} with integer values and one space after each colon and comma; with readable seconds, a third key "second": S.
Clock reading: {"hour": 1, "minute": 57, "second": 17}
